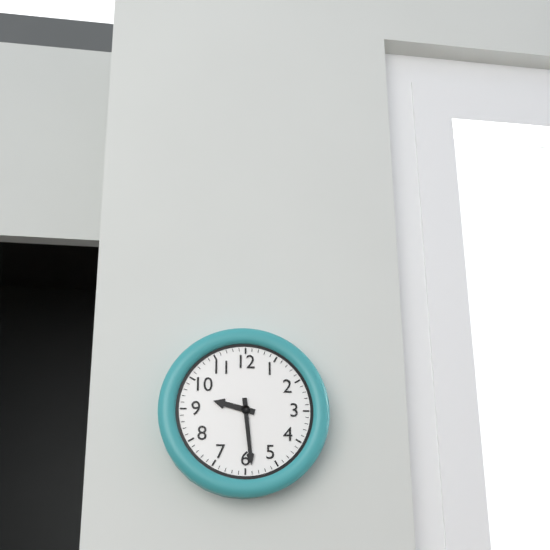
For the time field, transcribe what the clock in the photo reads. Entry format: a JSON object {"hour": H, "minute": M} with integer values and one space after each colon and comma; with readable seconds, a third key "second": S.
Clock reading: {"hour": 9, "minute": 29}
